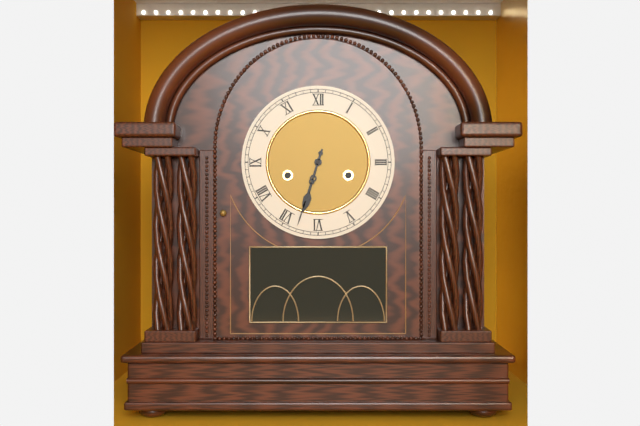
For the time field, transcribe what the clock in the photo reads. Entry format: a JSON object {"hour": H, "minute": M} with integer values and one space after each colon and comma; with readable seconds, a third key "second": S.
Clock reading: {"hour": 6, "minute": 33}
